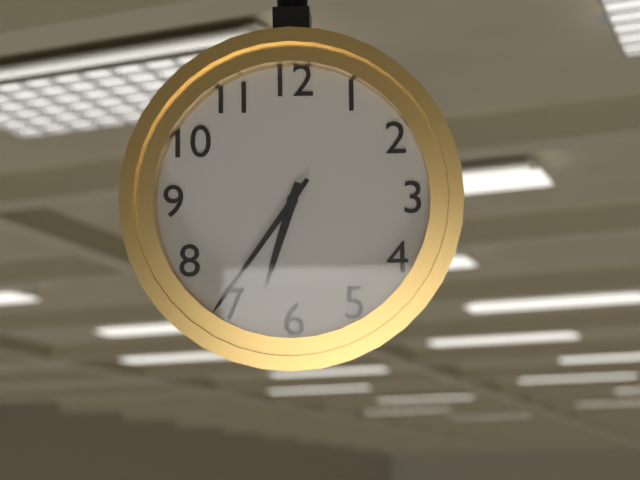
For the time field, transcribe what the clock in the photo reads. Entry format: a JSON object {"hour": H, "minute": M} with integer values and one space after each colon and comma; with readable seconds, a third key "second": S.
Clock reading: {"hour": 6, "minute": 36}
